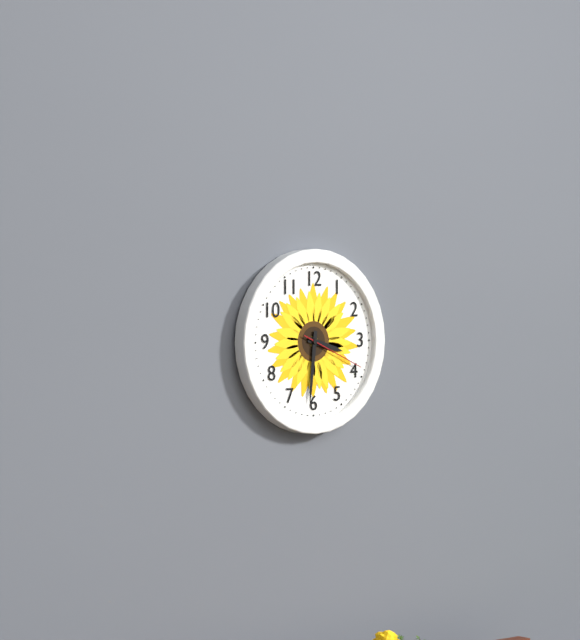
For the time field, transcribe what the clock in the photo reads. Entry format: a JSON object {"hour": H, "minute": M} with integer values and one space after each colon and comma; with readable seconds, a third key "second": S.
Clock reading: {"hour": 3, "minute": 31, "second": 19}
